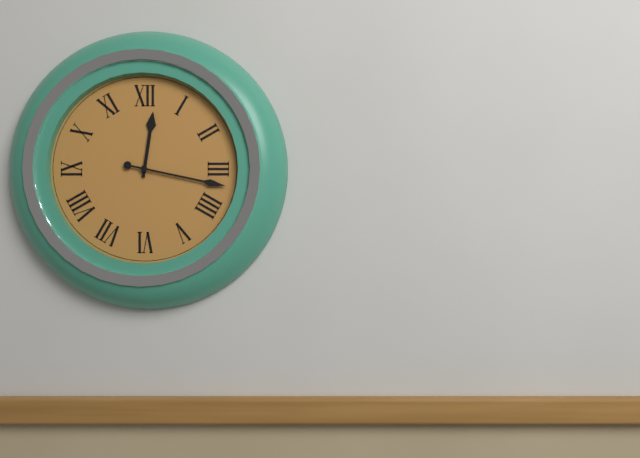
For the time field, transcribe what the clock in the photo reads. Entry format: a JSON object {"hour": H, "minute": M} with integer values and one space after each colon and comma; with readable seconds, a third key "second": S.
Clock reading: {"hour": 12, "minute": 17}
